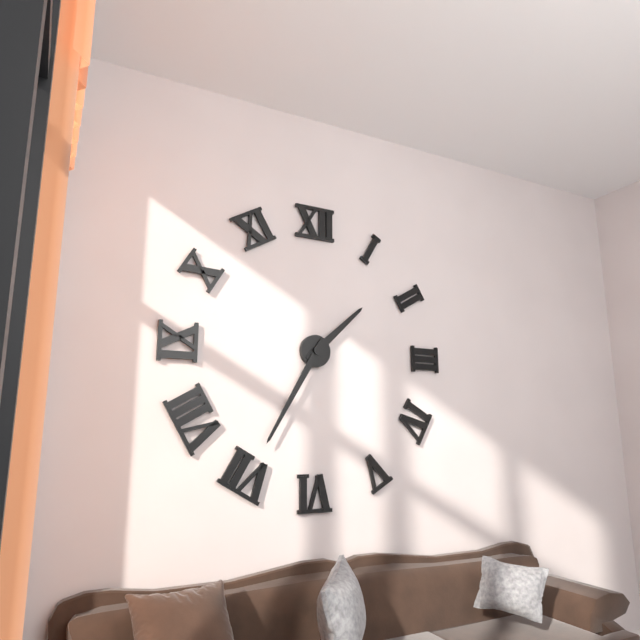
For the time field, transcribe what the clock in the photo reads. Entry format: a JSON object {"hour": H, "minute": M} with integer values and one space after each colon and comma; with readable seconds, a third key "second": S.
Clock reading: {"hour": 1, "minute": 35}
